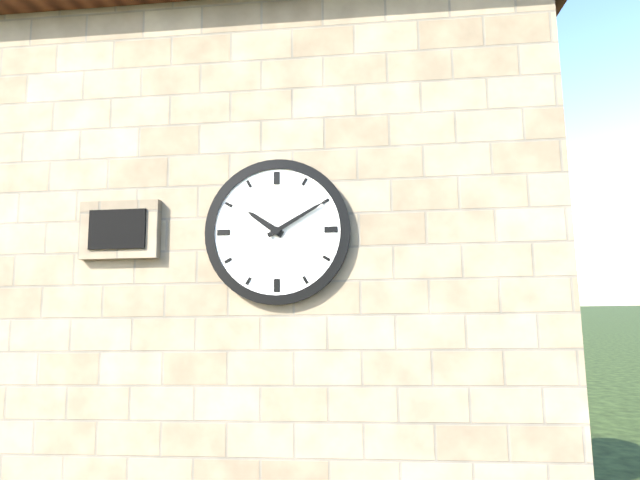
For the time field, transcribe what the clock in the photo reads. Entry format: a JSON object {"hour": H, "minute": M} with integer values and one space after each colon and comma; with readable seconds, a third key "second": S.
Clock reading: {"hour": 10, "minute": 10}
